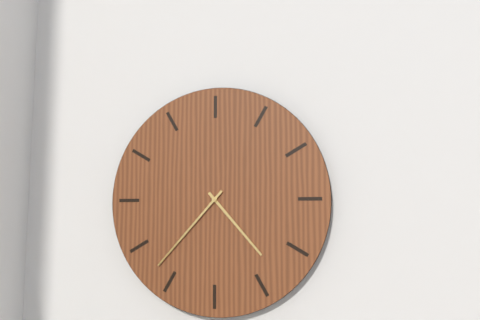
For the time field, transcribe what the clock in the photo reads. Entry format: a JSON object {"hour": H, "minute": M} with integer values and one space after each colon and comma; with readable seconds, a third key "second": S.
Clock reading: {"hour": 4, "minute": 37}
